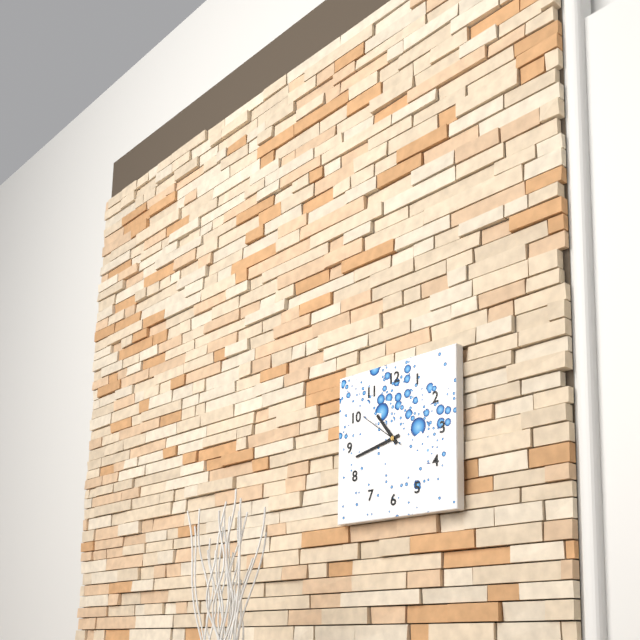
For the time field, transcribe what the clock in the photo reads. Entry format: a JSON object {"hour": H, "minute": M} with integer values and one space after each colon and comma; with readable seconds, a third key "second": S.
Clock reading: {"hour": 10, "minute": 43}
